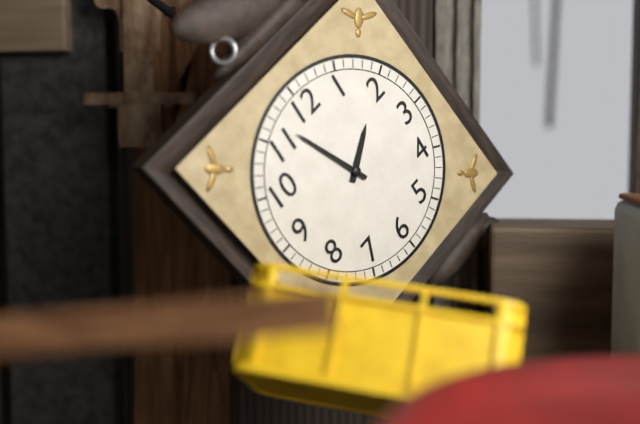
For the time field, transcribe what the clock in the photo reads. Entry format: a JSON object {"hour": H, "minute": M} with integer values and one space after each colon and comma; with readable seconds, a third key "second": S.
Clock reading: {"hour": 1, "minute": 57}
